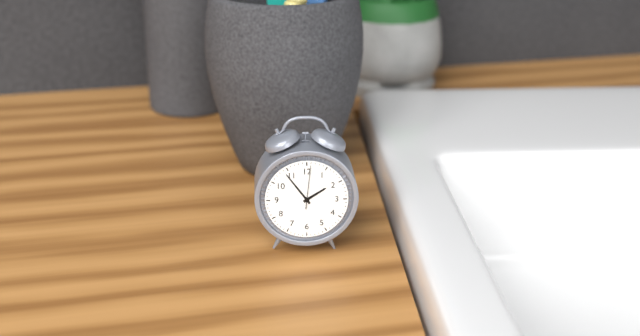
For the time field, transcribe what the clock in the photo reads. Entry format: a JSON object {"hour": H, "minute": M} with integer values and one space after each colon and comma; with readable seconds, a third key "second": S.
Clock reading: {"hour": 1, "minute": 54}
